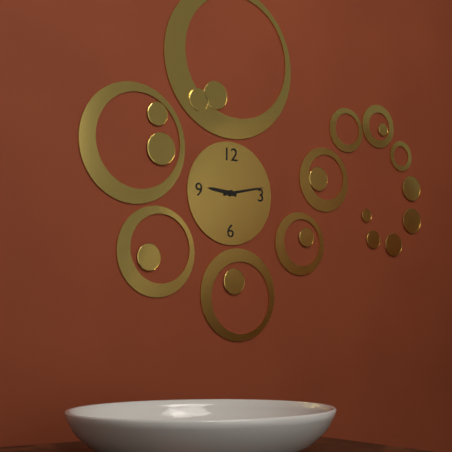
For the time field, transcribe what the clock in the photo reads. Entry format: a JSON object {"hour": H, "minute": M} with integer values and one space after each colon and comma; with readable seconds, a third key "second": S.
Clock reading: {"hour": 9, "minute": 13}
